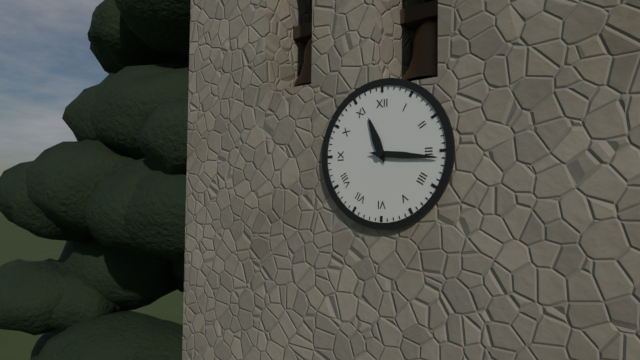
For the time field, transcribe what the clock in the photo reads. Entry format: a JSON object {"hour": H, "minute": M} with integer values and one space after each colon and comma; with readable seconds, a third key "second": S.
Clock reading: {"hour": 11, "minute": 16}
